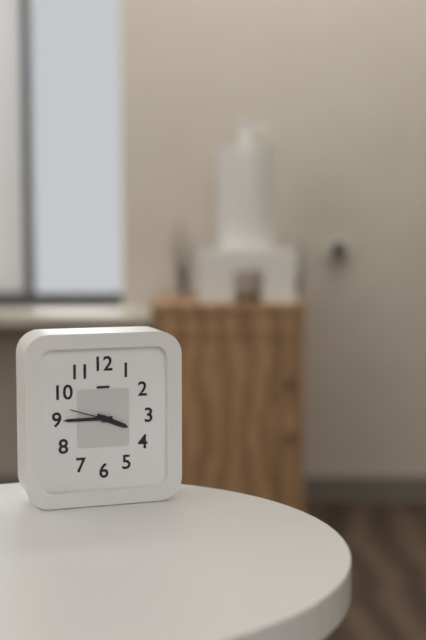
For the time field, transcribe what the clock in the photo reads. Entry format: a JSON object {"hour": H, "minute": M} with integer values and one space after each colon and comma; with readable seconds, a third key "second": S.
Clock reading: {"hour": 3, "minute": 45}
